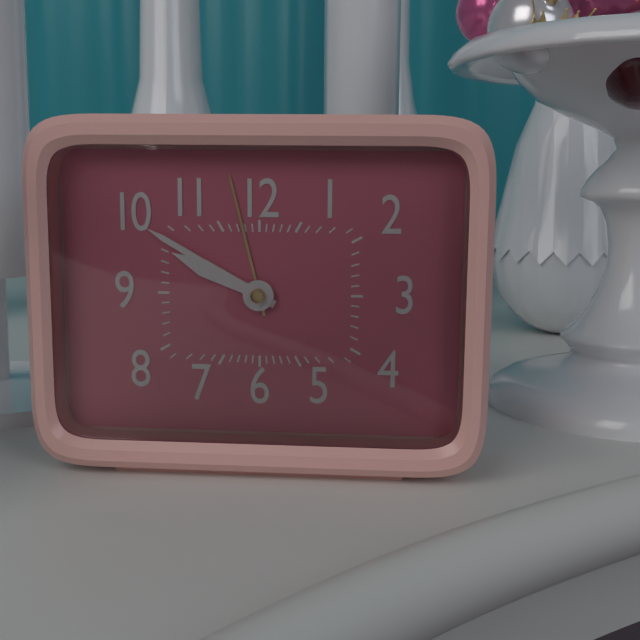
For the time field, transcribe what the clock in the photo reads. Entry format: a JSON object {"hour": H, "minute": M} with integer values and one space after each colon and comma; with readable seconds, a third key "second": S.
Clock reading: {"hour": 9, "minute": 50}
